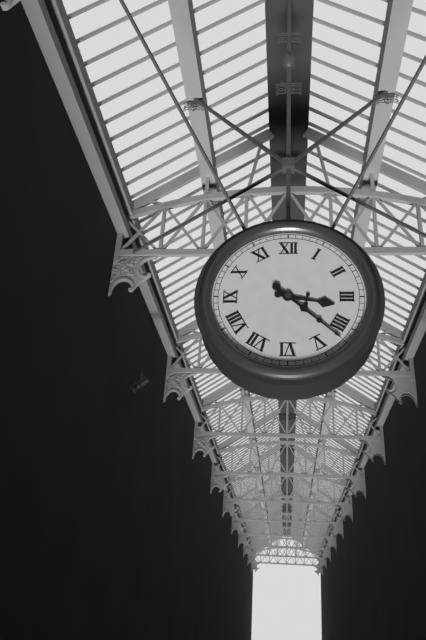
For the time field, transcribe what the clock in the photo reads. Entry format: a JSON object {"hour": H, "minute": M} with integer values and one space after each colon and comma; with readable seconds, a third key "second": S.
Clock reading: {"hour": 3, "minute": 22}
